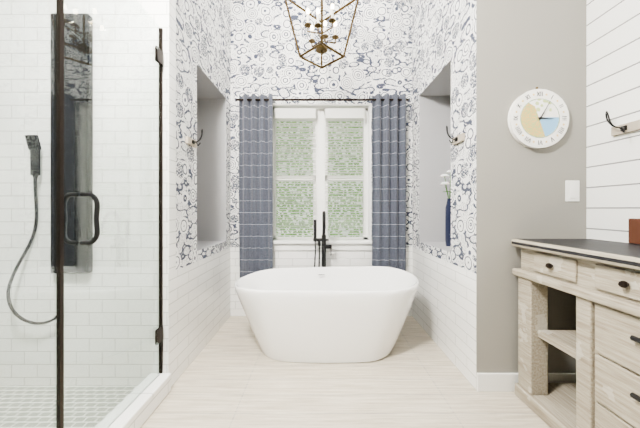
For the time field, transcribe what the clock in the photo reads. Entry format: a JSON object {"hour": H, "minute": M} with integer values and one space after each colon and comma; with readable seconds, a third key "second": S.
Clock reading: {"hour": 3, "minute": 5}
